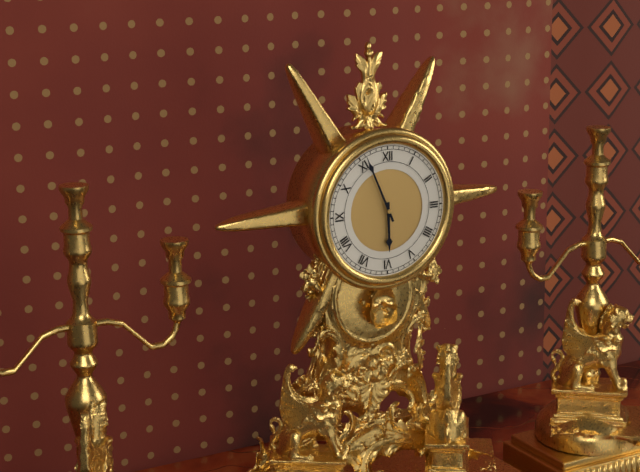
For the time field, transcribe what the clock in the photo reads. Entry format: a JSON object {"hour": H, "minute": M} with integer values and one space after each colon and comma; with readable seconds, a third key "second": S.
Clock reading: {"hour": 5, "minute": 56}
